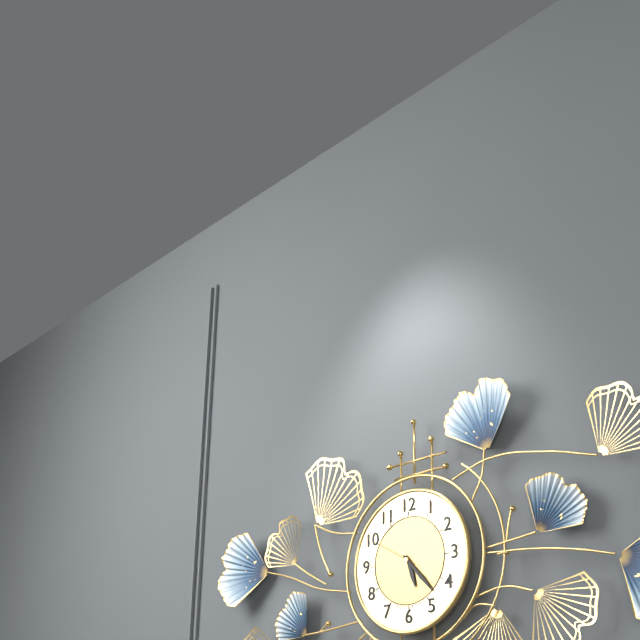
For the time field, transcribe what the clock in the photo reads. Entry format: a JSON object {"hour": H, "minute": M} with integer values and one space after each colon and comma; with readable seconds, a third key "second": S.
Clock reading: {"hour": 5, "minute": 23}
